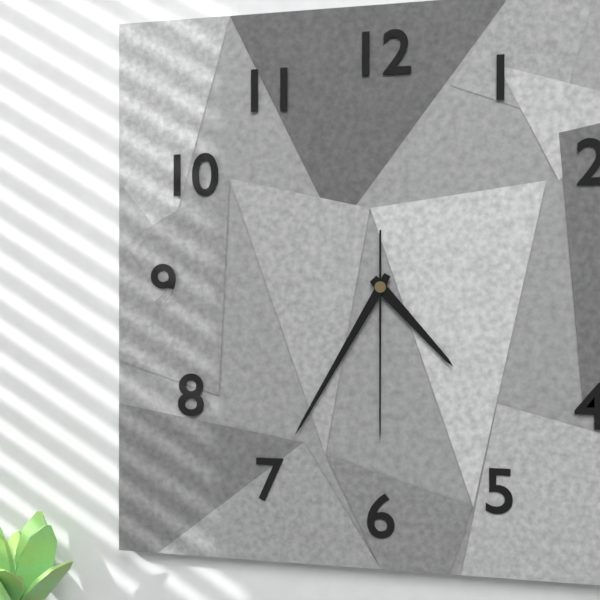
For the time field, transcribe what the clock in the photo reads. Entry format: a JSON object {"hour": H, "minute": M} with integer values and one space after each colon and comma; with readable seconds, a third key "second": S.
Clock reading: {"hour": 4, "minute": 35, "second": 30}
